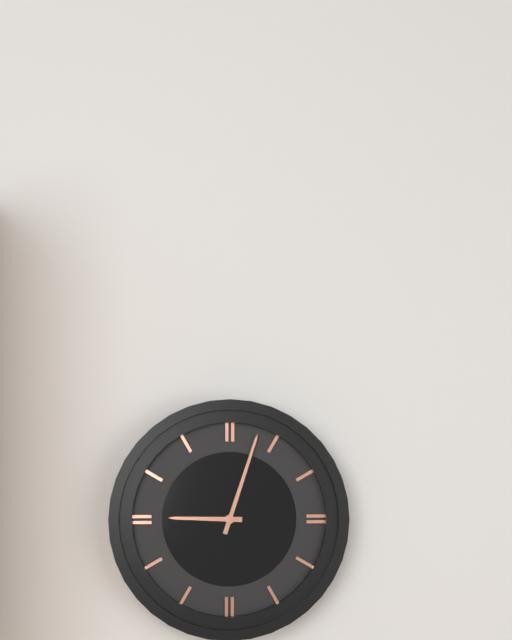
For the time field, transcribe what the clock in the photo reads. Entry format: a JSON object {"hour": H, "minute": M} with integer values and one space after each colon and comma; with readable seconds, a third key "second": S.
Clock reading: {"hour": 9, "minute": 3}
